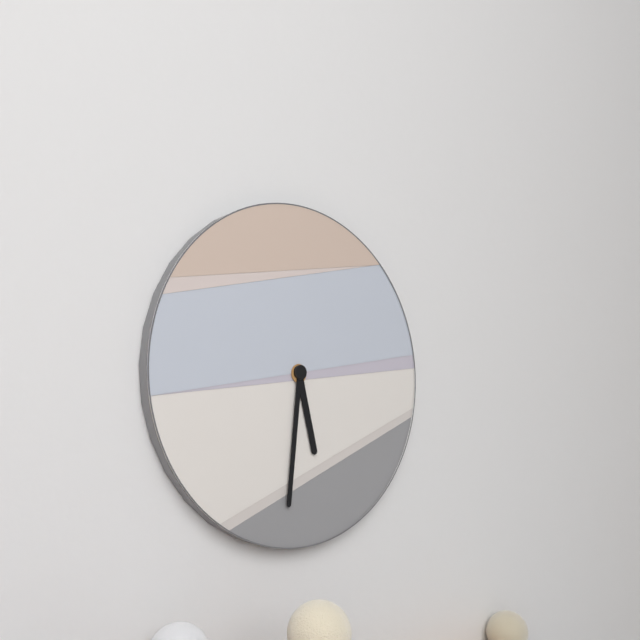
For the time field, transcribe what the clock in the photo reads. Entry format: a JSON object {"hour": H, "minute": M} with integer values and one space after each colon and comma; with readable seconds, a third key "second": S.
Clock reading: {"hour": 5, "minute": 31}
